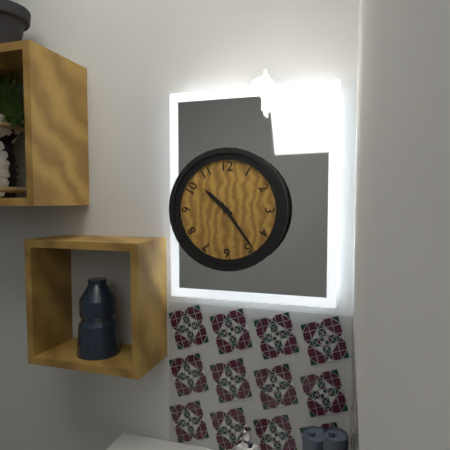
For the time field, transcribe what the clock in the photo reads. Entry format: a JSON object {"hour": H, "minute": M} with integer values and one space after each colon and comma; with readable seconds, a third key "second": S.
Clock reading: {"hour": 10, "minute": 24}
